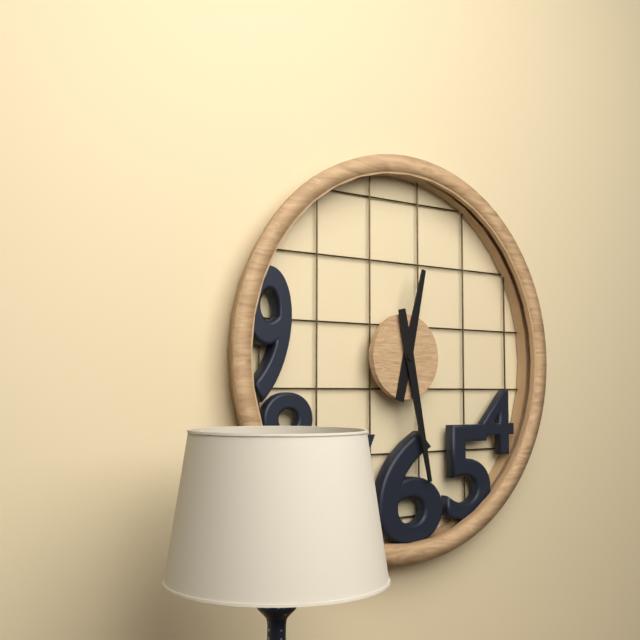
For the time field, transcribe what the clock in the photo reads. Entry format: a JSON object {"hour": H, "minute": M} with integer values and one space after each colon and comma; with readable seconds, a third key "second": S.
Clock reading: {"hour": 12, "minute": 28}
